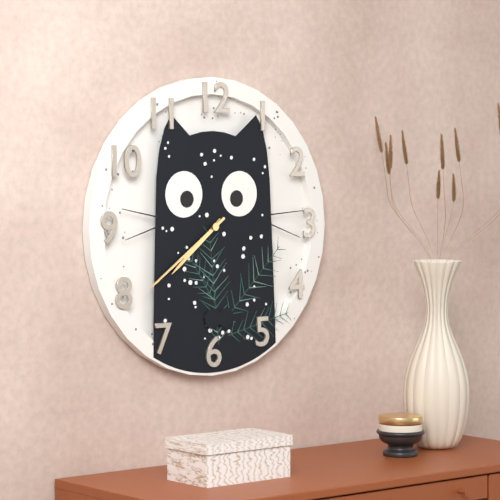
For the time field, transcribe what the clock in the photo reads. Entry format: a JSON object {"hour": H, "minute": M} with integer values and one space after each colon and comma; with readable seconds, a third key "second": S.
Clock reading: {"hour": 7, "minute": 39}
